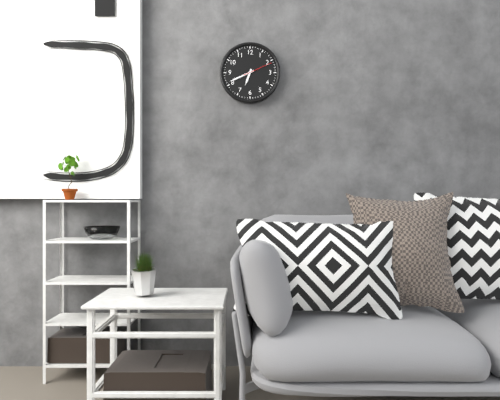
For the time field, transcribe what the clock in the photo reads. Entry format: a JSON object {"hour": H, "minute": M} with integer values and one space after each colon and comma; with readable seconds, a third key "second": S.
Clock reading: {"hour": 6, "minute": 41}
